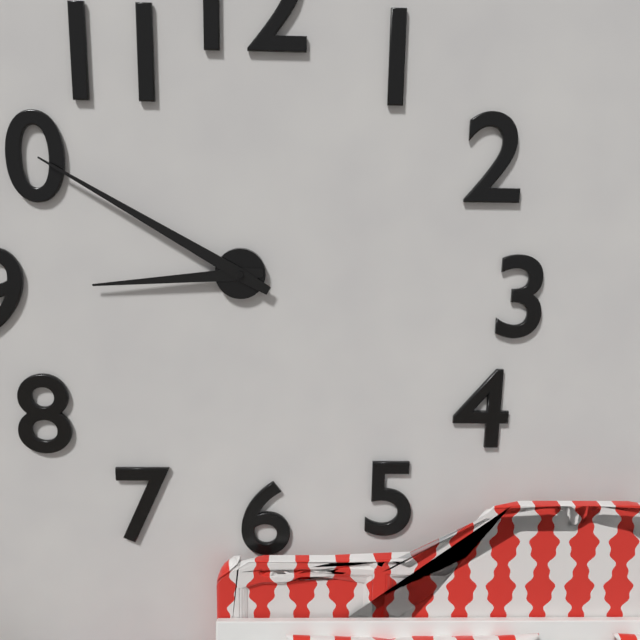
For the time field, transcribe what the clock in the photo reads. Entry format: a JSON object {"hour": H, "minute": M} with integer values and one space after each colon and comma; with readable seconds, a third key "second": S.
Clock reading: {"hour": 8, "minute": 50}
